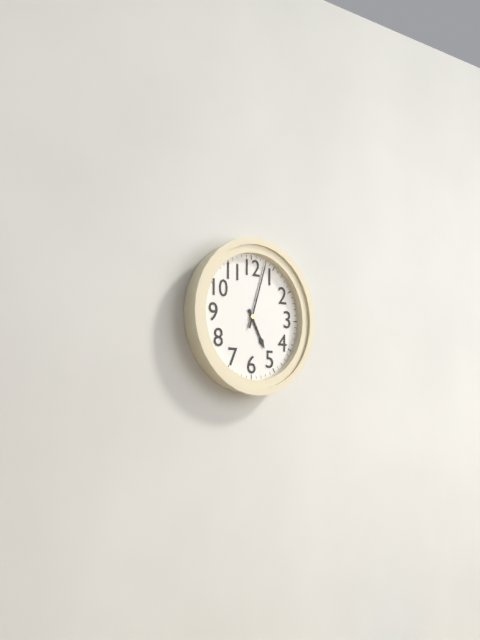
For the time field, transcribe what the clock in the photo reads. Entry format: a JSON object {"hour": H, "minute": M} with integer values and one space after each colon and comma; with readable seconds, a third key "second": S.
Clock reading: {"hour": 5, "minute": 3}
